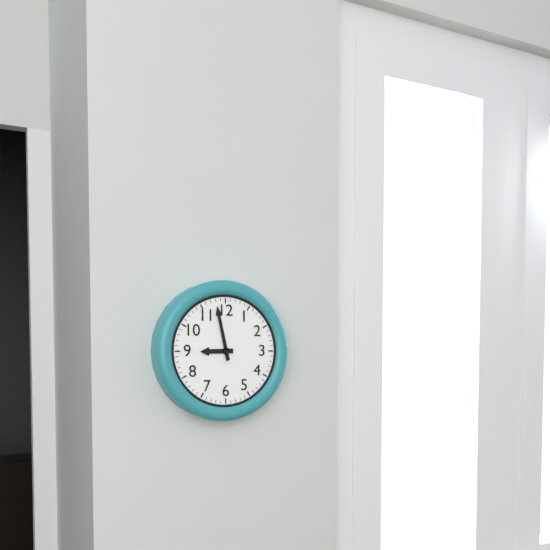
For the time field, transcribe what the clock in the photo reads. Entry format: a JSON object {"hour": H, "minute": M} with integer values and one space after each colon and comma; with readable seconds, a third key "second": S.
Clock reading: {"hour": 8, "minute": 58}
